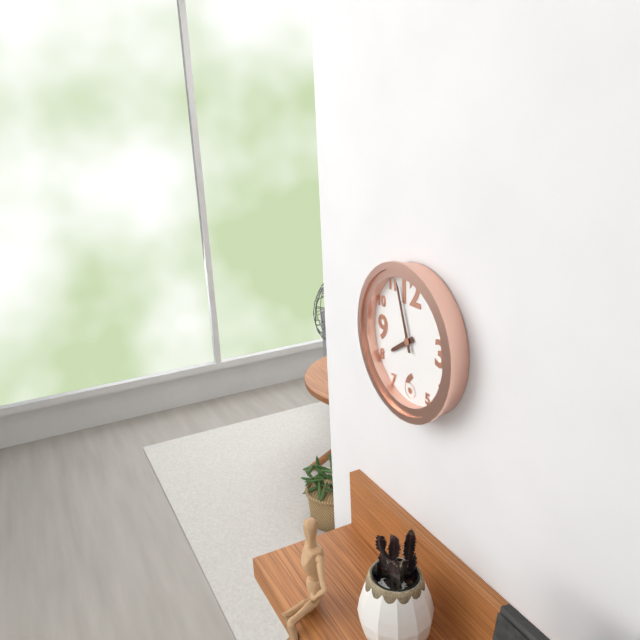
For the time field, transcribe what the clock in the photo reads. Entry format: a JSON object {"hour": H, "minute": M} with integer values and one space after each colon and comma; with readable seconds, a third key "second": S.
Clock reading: {"hour": 7, "minute": 57}
